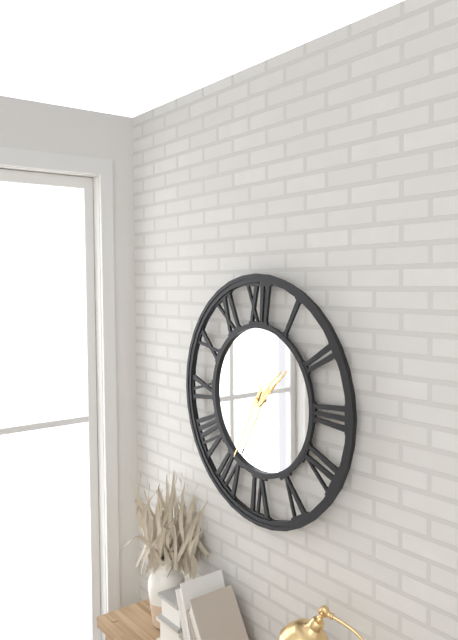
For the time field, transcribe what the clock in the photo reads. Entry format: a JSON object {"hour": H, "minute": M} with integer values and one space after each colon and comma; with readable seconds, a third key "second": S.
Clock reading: {"hour": 1, "minute": 35}
